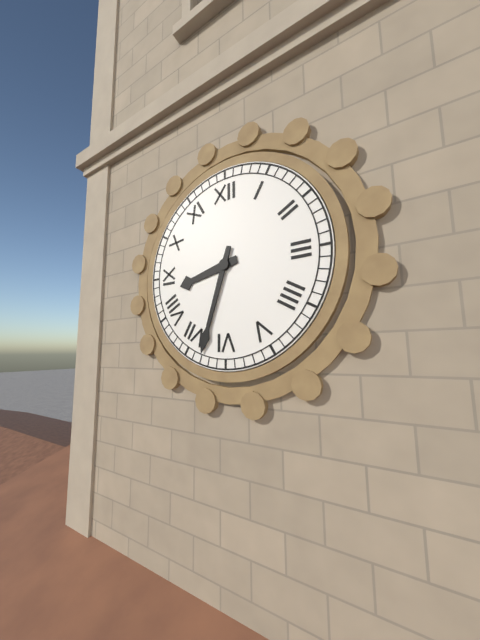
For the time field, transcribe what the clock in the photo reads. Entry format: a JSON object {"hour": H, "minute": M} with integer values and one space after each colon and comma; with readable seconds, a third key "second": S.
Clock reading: {"hour": 8, "minute": 33}
